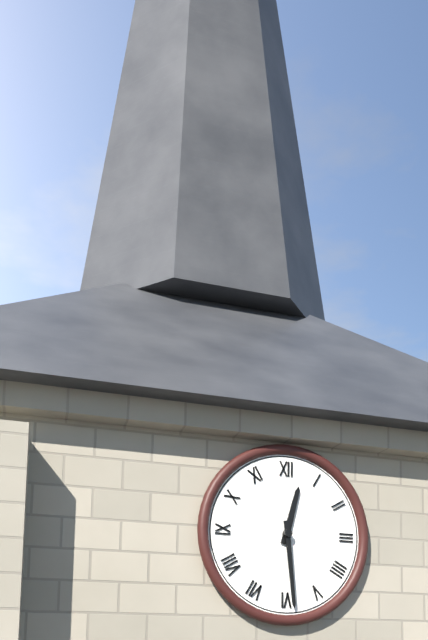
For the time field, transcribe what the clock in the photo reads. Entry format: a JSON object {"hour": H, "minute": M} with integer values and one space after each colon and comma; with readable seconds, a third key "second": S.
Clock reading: {"hour": 12, "minute": 29}
